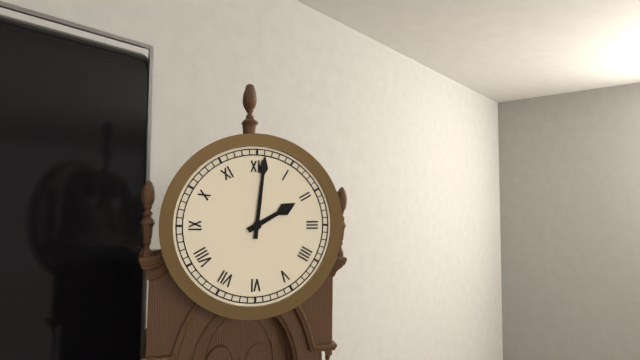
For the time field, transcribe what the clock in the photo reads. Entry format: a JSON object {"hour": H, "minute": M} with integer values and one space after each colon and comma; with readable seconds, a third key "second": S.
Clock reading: {"hour": 2, "minute": 1}
